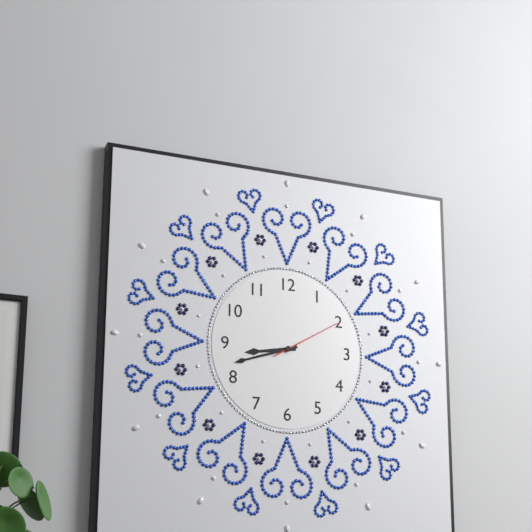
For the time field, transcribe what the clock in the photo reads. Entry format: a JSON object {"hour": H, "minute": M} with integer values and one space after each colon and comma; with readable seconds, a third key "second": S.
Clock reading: {"hour": 8, "minute": 42, "second": 10}
